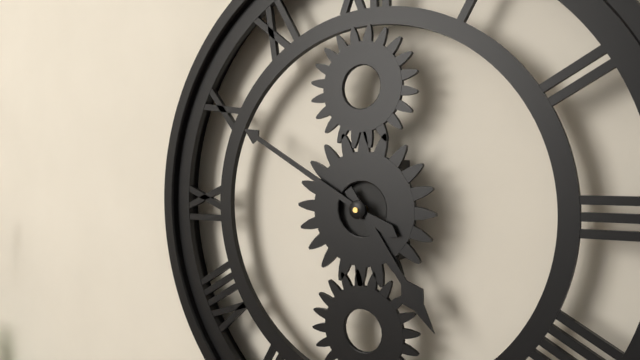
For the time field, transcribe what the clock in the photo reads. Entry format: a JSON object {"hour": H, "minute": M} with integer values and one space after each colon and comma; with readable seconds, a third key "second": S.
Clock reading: {"hour": 4, "minute": 50}
